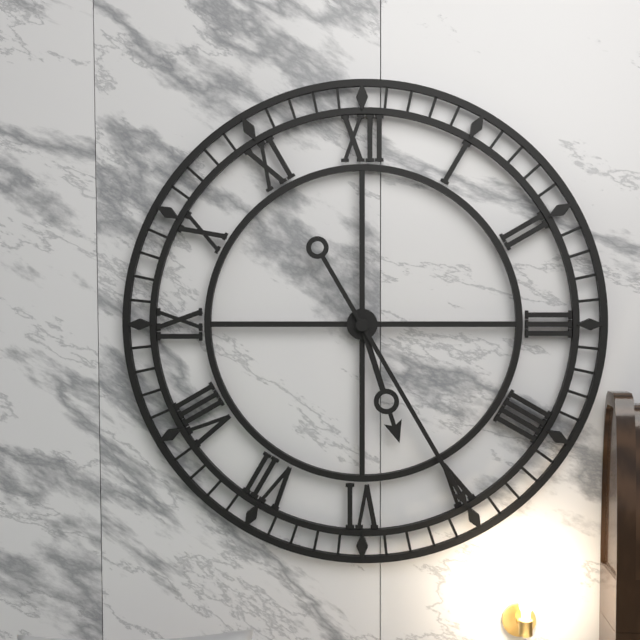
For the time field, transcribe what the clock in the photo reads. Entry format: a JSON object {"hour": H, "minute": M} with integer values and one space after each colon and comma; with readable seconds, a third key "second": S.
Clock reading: {"hour": 5, "minute": 25}
